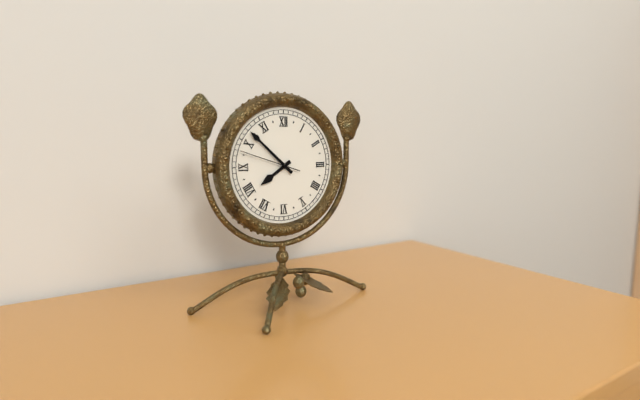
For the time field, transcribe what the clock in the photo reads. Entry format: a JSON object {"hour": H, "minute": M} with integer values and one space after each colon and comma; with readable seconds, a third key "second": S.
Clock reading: {"hour": 7, "minute": 52, "second": 48}
